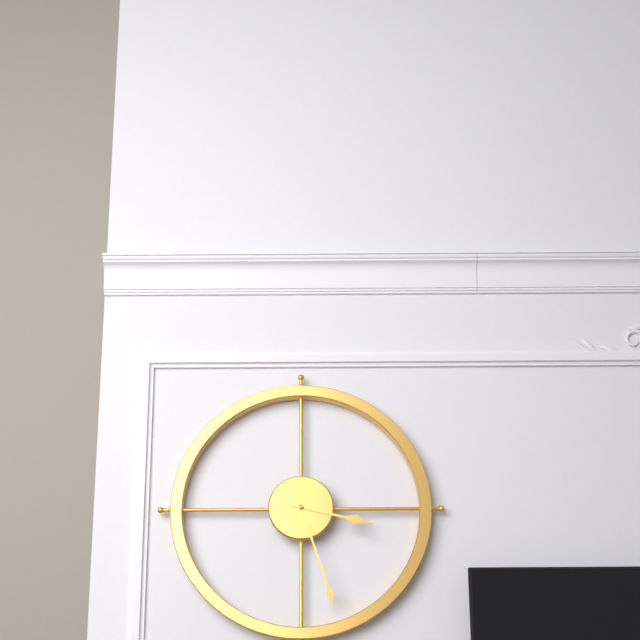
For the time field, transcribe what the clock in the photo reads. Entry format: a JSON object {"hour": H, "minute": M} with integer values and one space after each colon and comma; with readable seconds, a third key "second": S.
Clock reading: {"hour": 3, "minute": 27}
